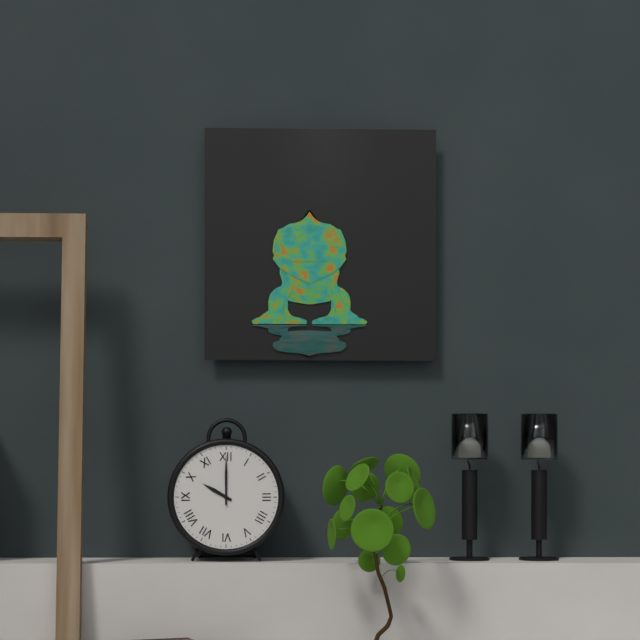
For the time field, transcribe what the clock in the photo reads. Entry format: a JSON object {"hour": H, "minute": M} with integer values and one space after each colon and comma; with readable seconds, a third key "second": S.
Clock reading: {"hour": 10, "minute": 0}
